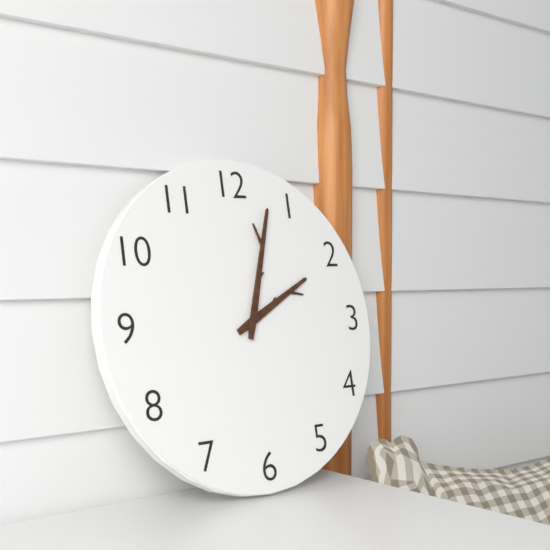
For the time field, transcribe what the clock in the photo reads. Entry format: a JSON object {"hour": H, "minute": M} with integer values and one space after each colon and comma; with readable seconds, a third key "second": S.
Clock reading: {"hour": 2, "minute": 3}
